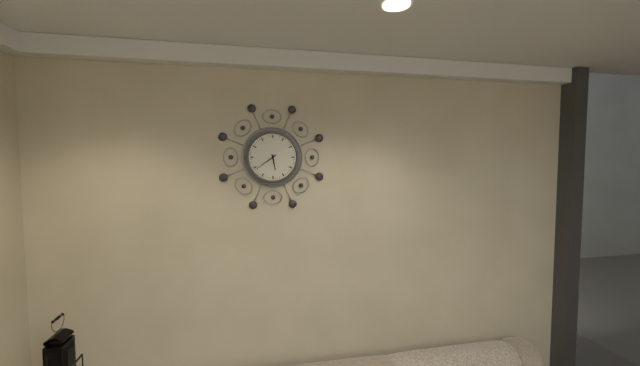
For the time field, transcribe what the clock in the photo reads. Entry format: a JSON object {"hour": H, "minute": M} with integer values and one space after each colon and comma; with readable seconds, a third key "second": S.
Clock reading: {"hour": 5, "minute": 39}
